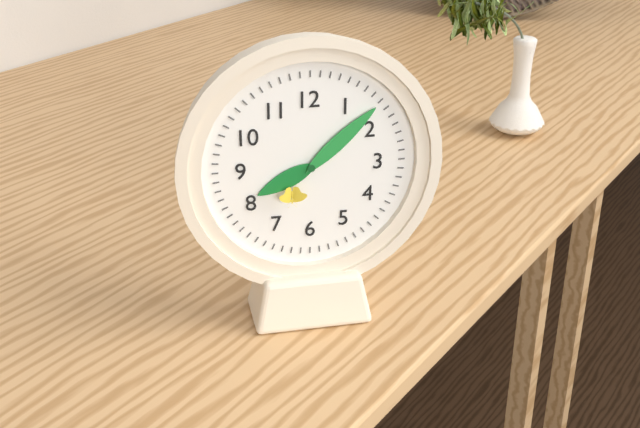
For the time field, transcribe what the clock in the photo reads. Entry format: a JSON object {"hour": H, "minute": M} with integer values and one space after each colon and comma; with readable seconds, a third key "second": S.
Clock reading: {"hour": 8, "minute": 8}
